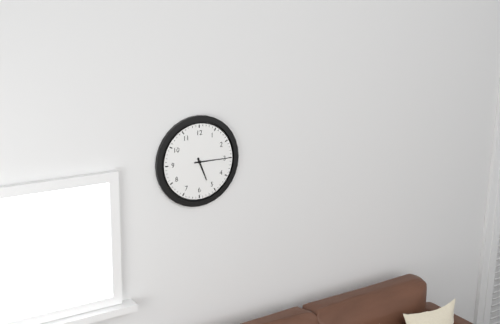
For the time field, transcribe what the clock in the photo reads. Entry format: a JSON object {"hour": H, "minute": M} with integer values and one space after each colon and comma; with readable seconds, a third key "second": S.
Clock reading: {"hour": 5, "minute": 15}
